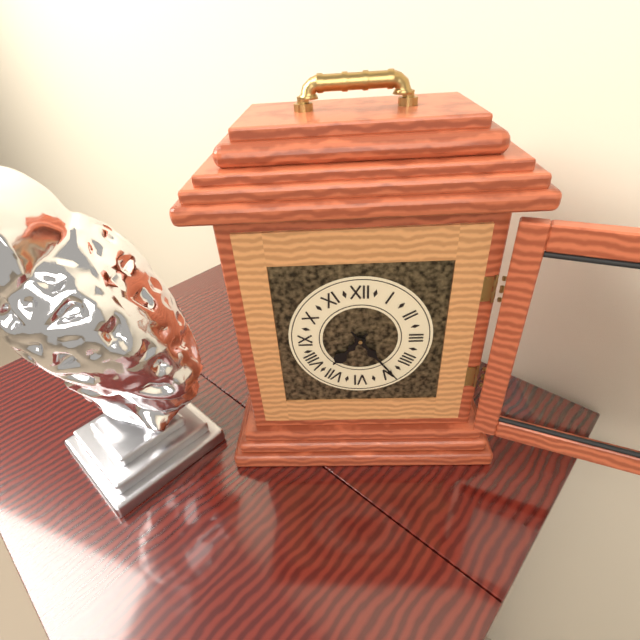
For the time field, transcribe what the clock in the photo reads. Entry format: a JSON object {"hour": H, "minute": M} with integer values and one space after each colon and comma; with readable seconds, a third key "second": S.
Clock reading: {"hour": 7, "minute": 24}
